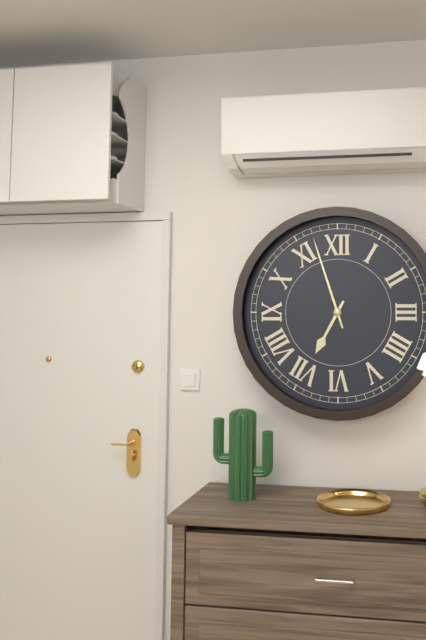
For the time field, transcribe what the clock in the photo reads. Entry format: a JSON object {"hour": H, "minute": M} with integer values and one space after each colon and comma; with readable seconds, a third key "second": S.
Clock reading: {"hour": 6, "minute": 57}
